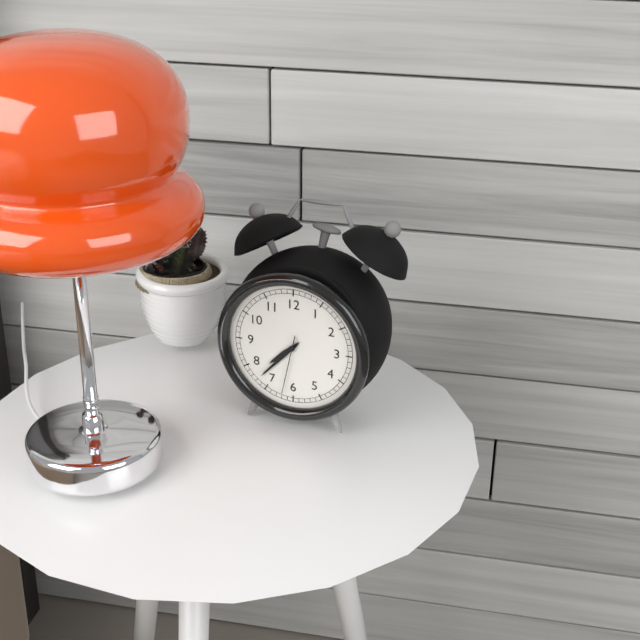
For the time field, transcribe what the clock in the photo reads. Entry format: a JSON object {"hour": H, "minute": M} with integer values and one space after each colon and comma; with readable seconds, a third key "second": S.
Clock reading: {"hour": 7, "minute": 37, "second": 32}
